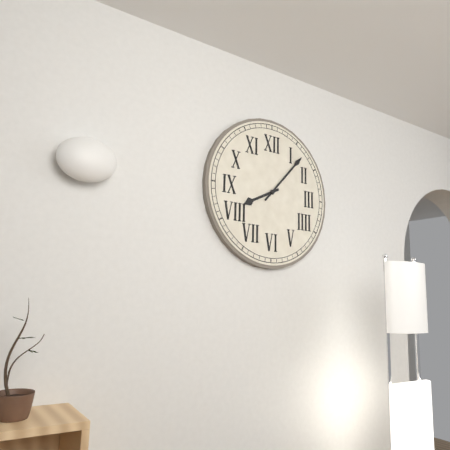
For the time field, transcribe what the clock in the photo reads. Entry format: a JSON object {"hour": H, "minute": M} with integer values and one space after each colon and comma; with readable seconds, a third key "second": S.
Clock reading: {"hour": 8, "minute": 7}
